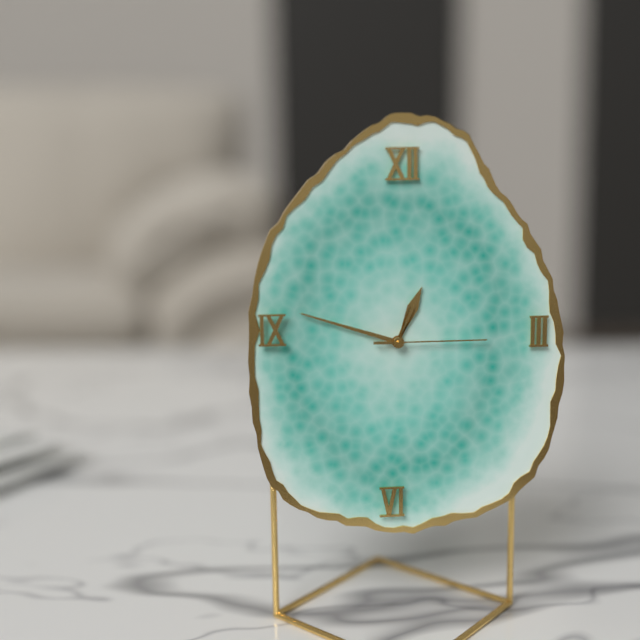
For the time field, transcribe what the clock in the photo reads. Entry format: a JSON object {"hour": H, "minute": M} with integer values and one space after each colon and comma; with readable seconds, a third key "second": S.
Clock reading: {"hour": 12, "minute": 48, "second": 15}
